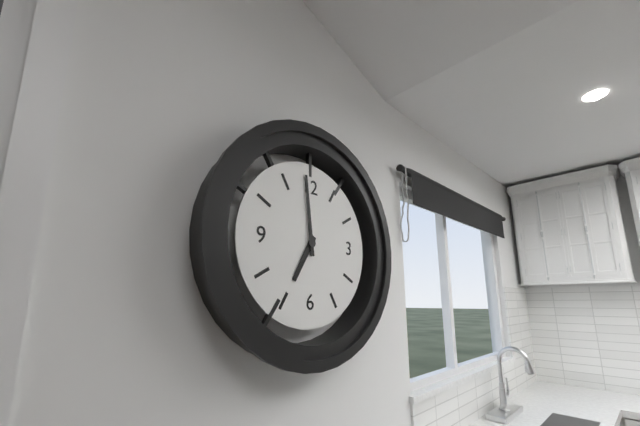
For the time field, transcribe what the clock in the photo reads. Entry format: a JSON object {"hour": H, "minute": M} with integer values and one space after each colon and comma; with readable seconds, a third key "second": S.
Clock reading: {"hour": 6, "minute": 59}
